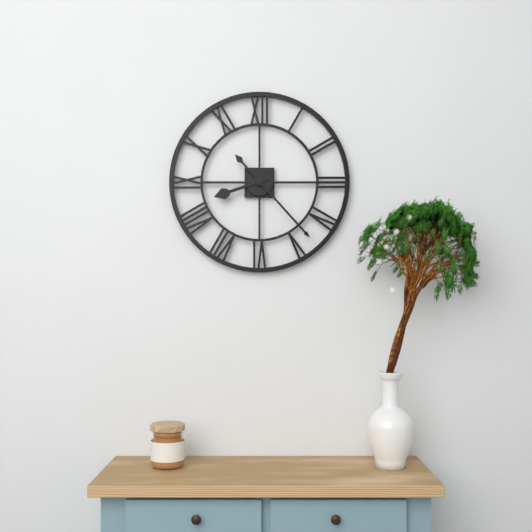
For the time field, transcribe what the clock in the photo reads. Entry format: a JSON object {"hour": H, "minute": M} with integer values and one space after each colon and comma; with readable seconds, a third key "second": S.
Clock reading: {"hour": 8, "minute": 23}
